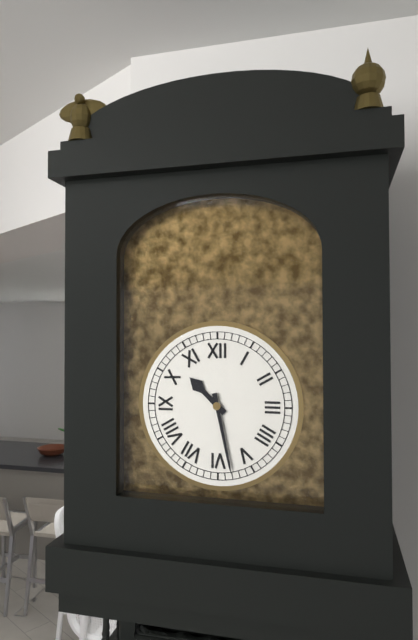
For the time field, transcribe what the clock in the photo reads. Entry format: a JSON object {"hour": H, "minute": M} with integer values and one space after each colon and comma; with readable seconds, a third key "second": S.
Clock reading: {"hour": 10, "minute": 28}
